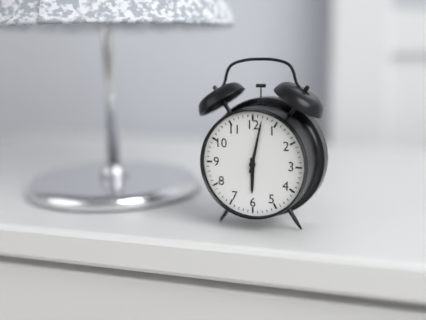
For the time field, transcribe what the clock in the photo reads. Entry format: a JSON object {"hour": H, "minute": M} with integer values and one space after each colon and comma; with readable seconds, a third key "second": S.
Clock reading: {"hour": 6, "minute": 2}
